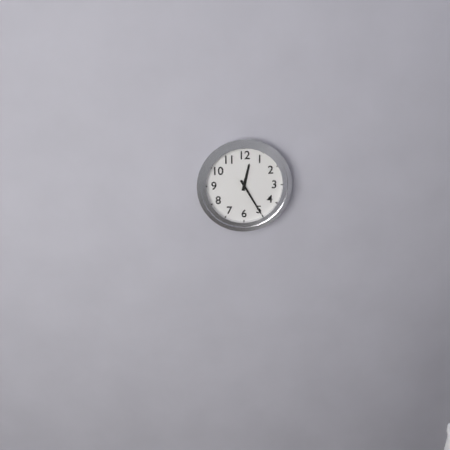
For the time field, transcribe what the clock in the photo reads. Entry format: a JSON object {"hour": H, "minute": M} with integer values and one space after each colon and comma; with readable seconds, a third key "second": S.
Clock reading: {"hour": 12, "minute": 25}
